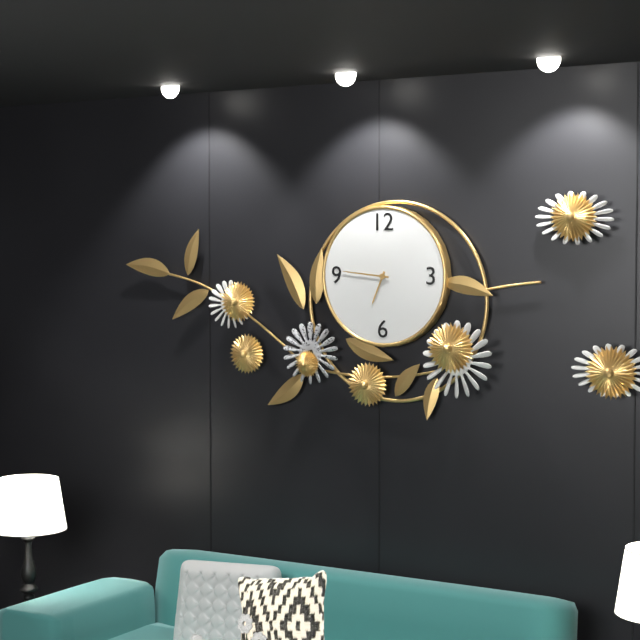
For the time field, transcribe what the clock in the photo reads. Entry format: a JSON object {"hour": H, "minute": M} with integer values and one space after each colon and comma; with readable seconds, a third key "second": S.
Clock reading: {"hour": 6, "minute": 46}
